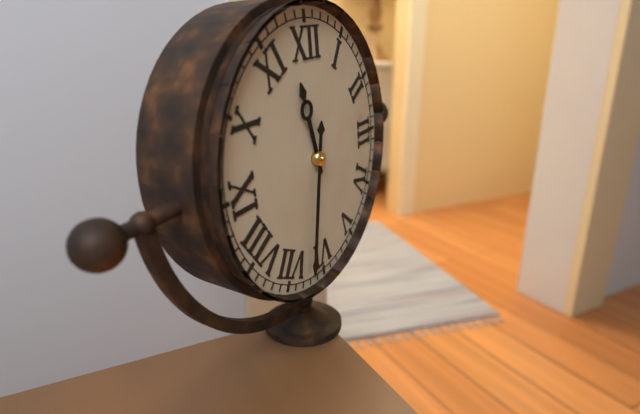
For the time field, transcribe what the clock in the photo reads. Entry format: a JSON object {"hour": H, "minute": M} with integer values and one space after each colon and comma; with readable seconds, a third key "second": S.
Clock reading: {"hour": 11, "minute": 32}
